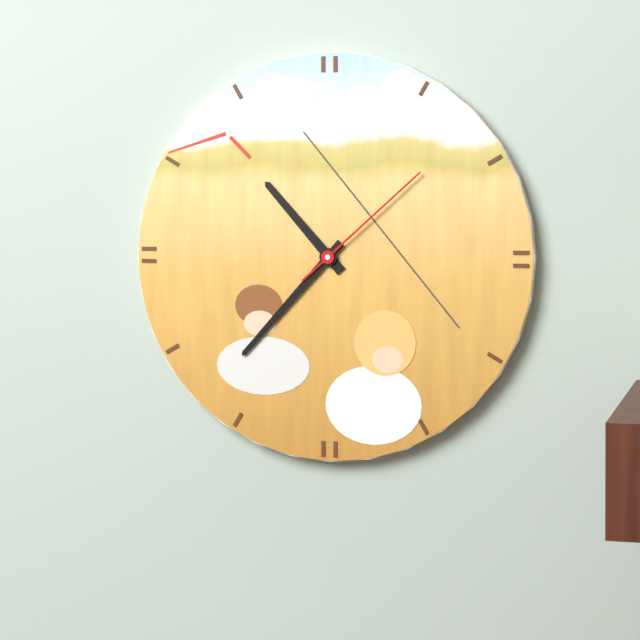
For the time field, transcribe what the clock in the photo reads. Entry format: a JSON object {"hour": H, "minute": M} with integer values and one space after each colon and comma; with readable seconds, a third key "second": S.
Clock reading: {"hour": 10, "minute": 37, "second": 8}
